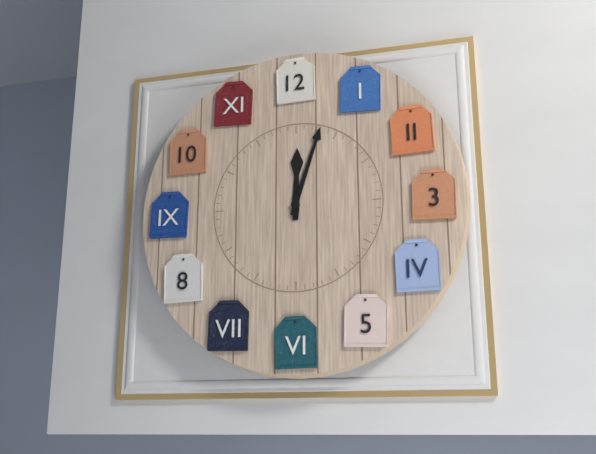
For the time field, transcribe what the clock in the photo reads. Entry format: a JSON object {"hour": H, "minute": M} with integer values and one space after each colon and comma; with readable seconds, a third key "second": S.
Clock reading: {"hour": 12, "minute": 3}
